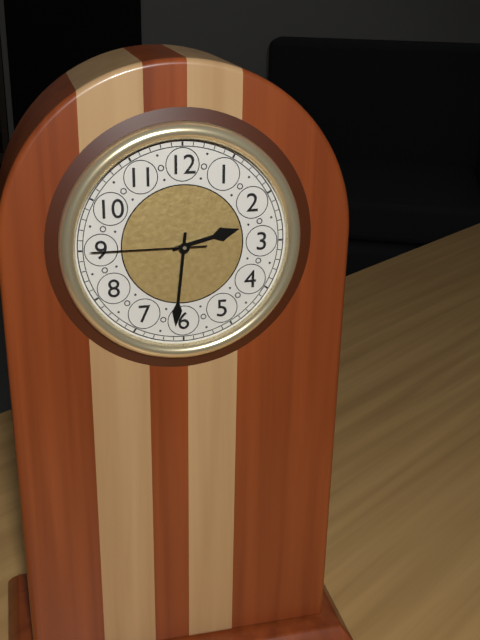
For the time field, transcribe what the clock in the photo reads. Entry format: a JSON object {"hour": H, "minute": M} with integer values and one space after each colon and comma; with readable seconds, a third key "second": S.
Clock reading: {"hour": 2, "minute": 31, "second": 45}
